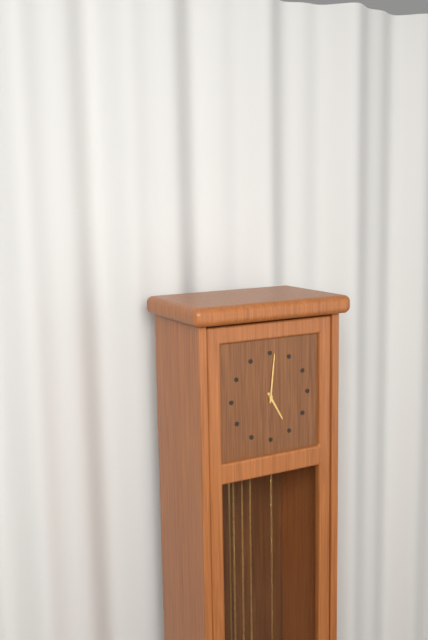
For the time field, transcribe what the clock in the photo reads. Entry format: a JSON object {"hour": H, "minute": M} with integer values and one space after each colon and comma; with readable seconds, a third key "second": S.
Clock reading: {"hour": 5, "minute": 1}
